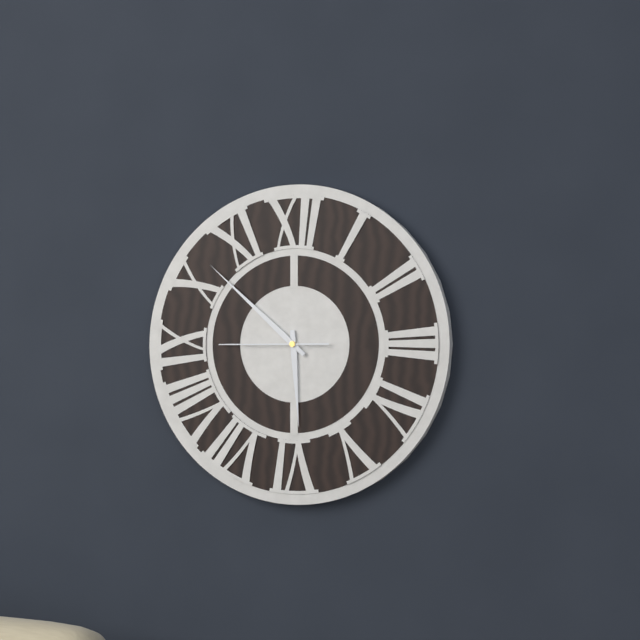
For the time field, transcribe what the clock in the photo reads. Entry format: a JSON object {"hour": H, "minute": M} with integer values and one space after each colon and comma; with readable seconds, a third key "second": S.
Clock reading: {"hour": 5, "minute": 52, "second": 45}
